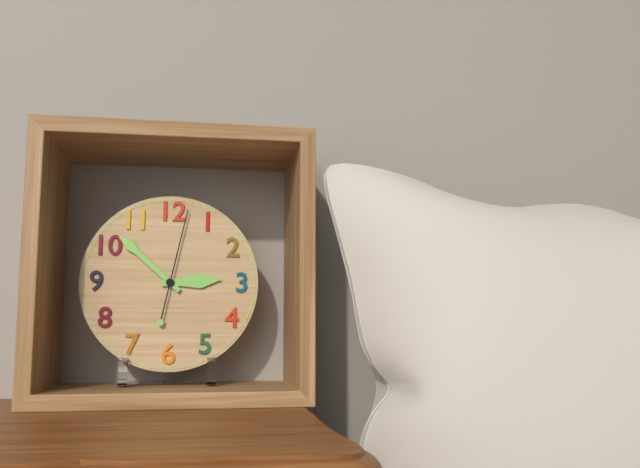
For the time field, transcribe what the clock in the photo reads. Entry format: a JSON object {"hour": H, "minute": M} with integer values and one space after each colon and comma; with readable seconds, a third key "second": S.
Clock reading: {"hour": 2, "minute": 52, "second": 2}
